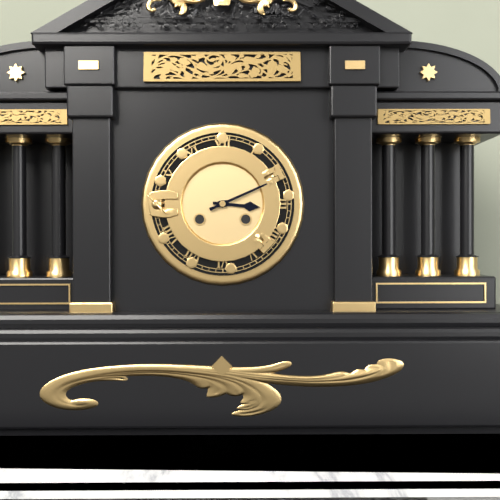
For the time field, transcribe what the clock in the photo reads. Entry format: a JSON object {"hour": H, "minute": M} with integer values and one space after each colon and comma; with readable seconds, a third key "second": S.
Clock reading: {"hour": 3, "minute": 11}
